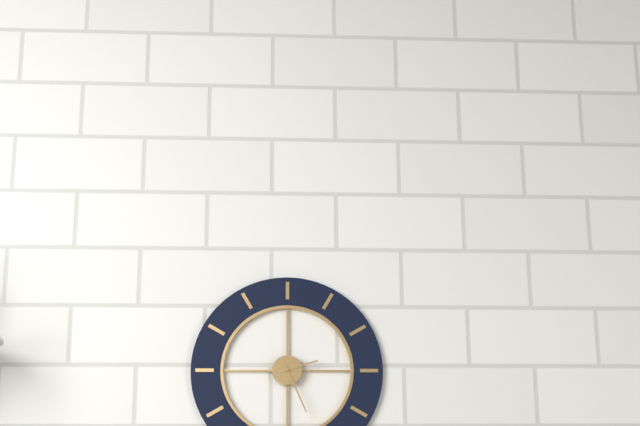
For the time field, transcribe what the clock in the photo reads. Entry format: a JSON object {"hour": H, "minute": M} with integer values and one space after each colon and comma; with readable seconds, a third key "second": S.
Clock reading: {"hour": 2, "minute": 26}
